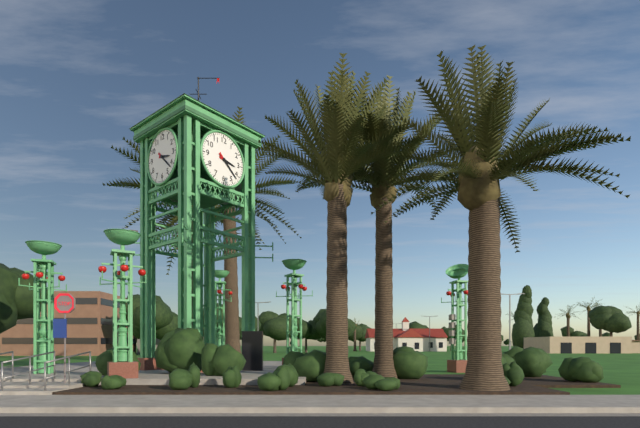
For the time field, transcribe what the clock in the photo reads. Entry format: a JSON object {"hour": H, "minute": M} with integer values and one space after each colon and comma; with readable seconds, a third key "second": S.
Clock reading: {"hour": 3, "minute": 22}
